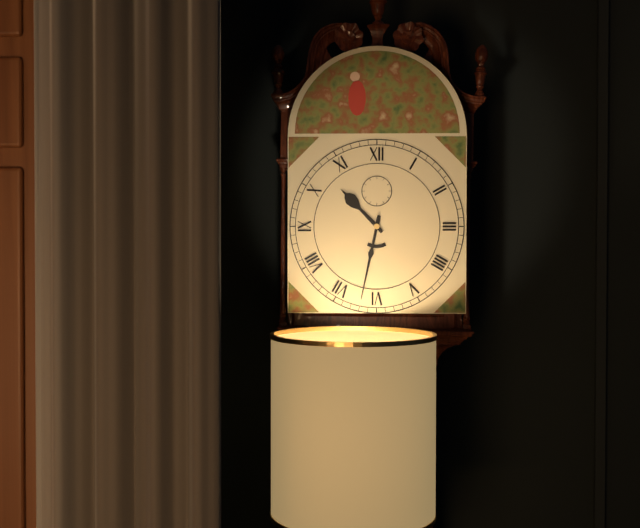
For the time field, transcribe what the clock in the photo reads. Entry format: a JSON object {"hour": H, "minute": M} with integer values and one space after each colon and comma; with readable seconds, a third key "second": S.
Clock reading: {"hour": 10, "minute": 32}
